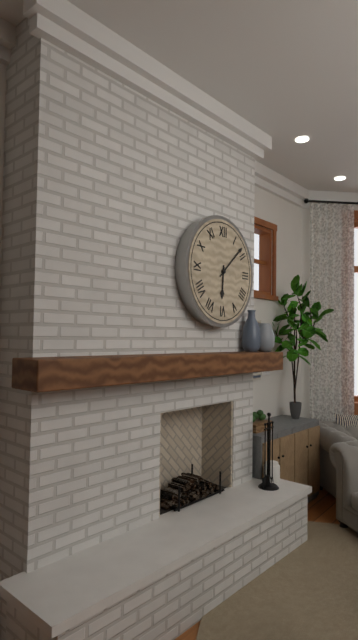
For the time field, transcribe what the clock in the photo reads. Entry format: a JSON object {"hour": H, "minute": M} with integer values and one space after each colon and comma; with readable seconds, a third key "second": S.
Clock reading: {"hour": 6, "minute": 8}
